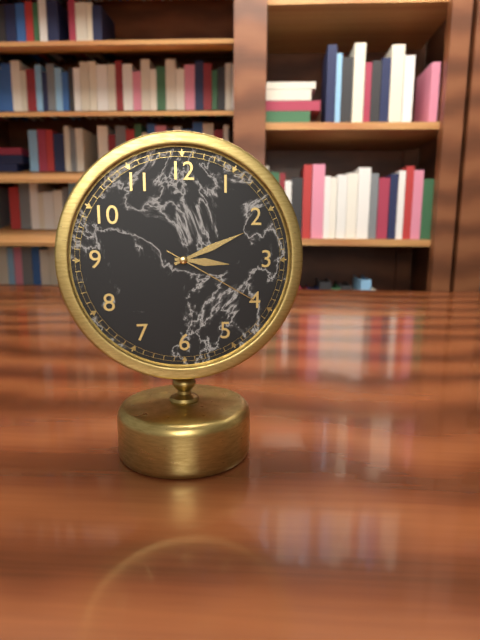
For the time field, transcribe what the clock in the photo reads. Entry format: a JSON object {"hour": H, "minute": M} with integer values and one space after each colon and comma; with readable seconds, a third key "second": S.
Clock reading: {"hour": 3, "minute": 11, "second": 20}
